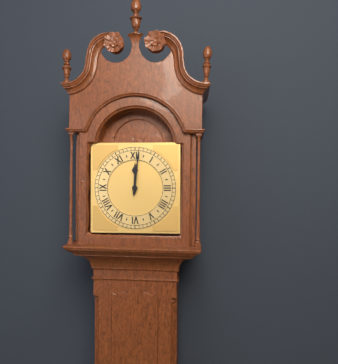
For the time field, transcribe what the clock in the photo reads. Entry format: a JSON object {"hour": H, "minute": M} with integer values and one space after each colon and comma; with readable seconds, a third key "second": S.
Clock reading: {"hour": 12, "minute": 1}
